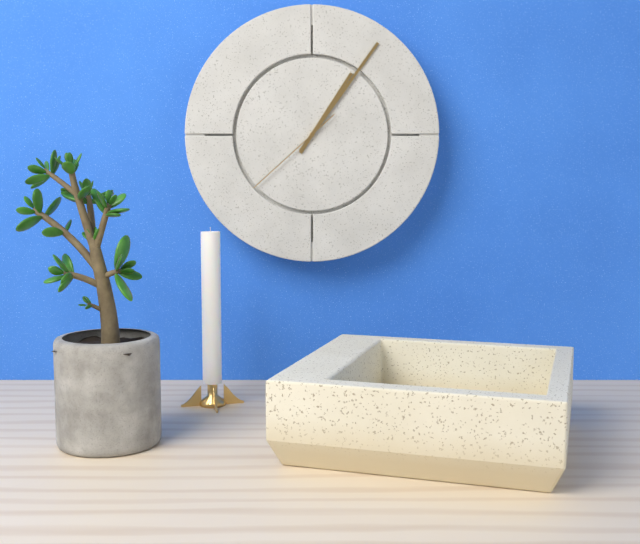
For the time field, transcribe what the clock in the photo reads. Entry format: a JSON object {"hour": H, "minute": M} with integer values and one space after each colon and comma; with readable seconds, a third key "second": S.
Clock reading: {"hour": 1, "minute": 6, "second": 38}
